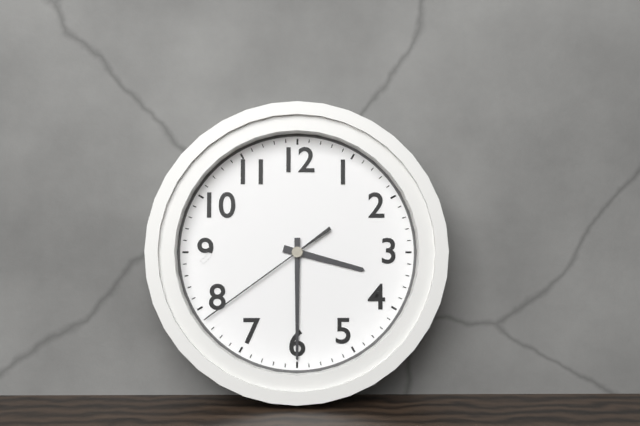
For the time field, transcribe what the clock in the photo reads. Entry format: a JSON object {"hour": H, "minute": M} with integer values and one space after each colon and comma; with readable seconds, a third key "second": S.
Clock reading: {"hour": 3, "minute": 30, "second": 39}
